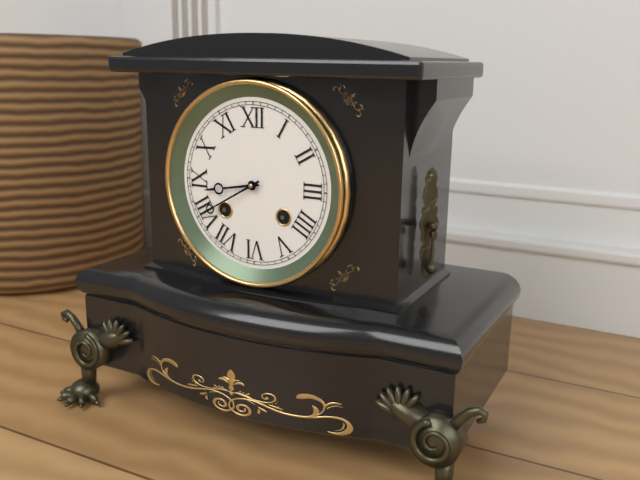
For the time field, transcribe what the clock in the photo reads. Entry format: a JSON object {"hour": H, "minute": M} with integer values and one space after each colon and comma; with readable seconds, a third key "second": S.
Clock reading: {"hour": 8, "minute": 40}
